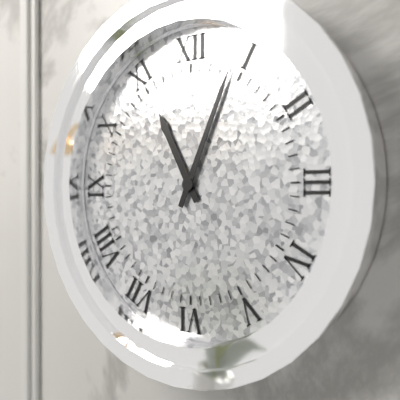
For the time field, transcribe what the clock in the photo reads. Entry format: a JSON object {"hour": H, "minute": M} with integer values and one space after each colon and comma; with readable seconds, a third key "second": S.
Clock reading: {"hour": 11, "minute": 4}
